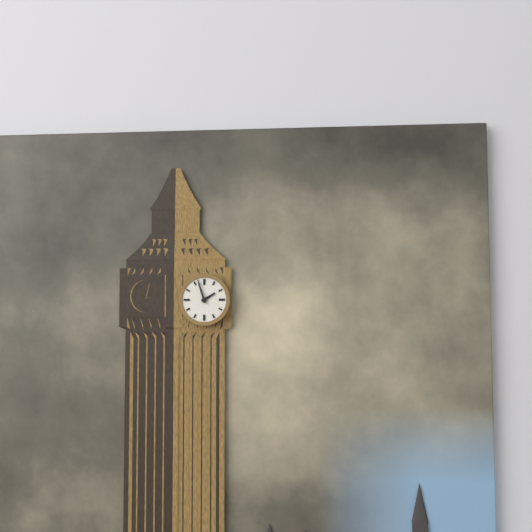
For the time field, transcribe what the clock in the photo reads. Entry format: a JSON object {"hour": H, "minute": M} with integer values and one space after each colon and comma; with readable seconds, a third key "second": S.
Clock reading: {"hour": 1, "minute": 57}
